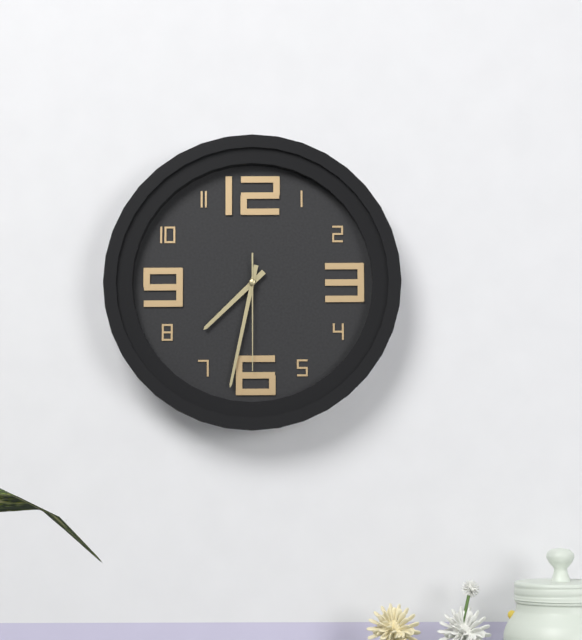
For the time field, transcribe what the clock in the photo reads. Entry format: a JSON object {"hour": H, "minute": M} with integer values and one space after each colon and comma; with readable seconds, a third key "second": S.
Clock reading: {"hour": 7, "minute": 32, "second": 30}
